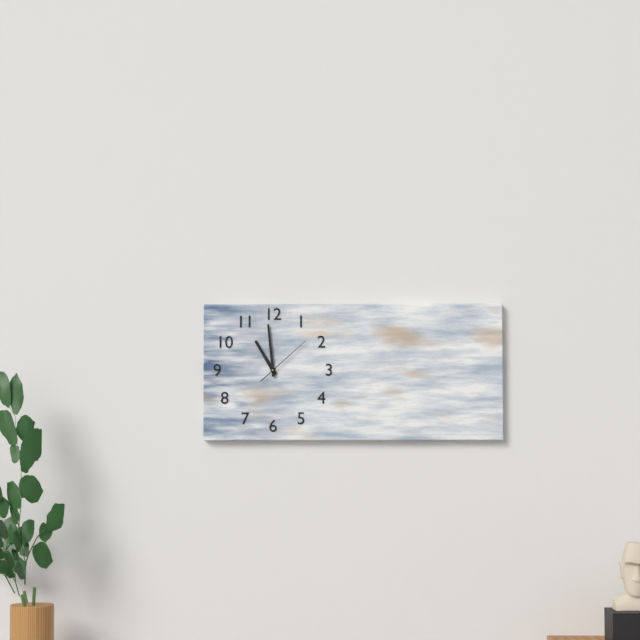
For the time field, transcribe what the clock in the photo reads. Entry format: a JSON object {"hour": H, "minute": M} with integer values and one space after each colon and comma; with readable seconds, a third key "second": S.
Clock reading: {"hour": 10, "minute": 59, "second": 8}
